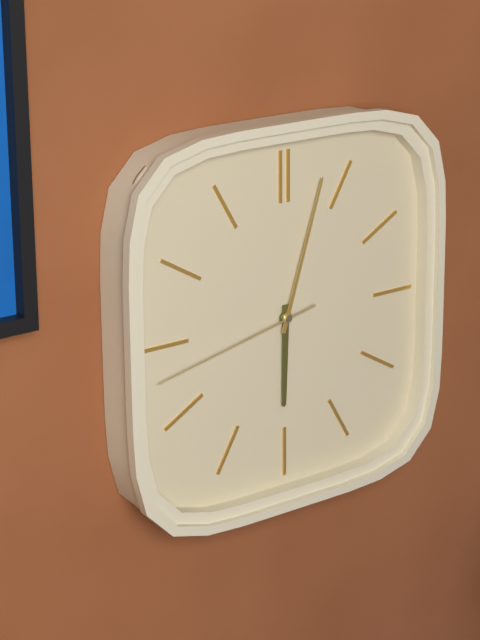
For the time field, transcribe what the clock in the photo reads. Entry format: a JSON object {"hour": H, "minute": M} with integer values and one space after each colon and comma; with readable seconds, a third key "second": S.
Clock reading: {"hour": 6, "minute": 3, "second": 43}
